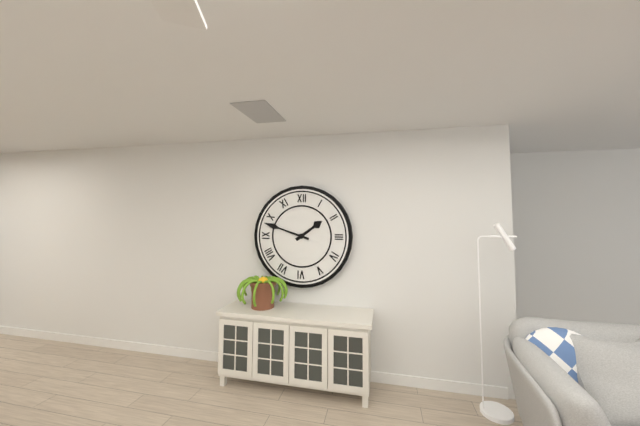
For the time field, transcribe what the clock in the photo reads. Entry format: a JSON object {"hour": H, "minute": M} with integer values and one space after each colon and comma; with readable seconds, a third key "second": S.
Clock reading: {"hour": 1, "minute": 48}
